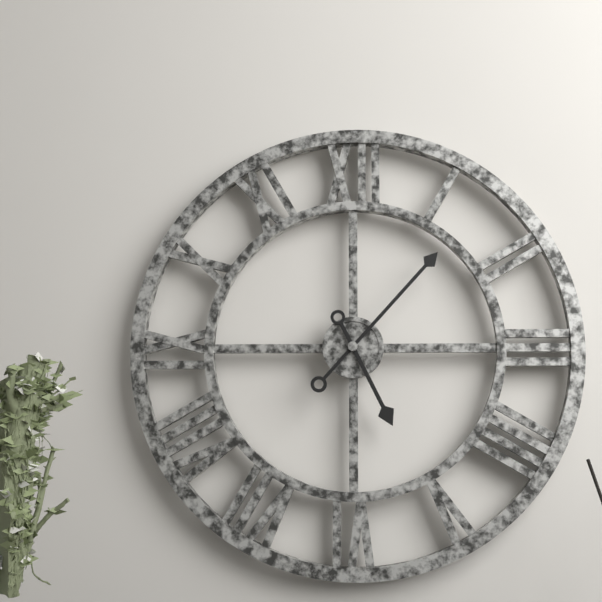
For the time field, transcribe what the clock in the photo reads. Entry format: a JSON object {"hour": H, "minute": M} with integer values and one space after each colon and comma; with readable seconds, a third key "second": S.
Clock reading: {"hour": 5, "minute": 7}
